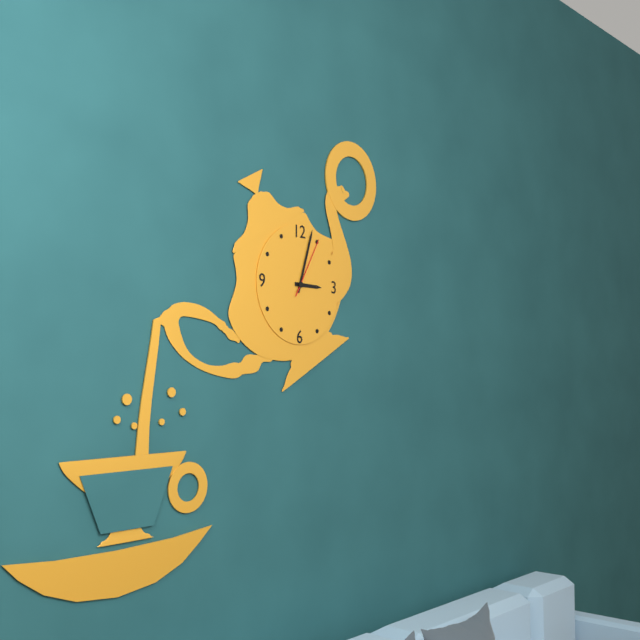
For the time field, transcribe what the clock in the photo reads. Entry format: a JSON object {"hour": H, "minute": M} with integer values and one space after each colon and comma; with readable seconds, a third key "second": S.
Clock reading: {"hour": 3, "minute": 3, "second": 5}
